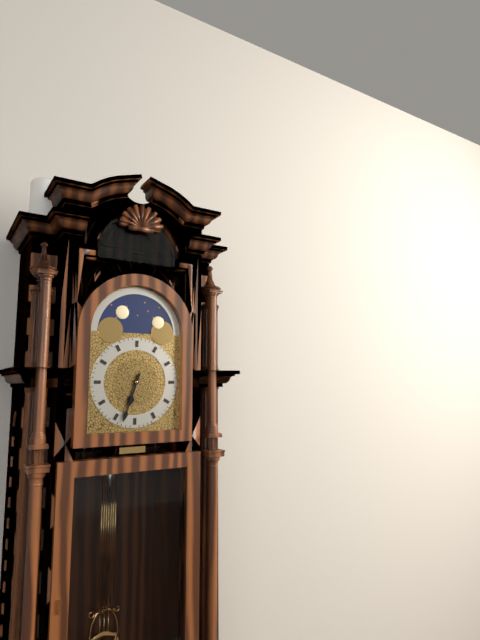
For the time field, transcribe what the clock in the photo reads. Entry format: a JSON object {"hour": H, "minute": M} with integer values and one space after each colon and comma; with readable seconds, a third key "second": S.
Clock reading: {"hour": 6, "minute": 33}
